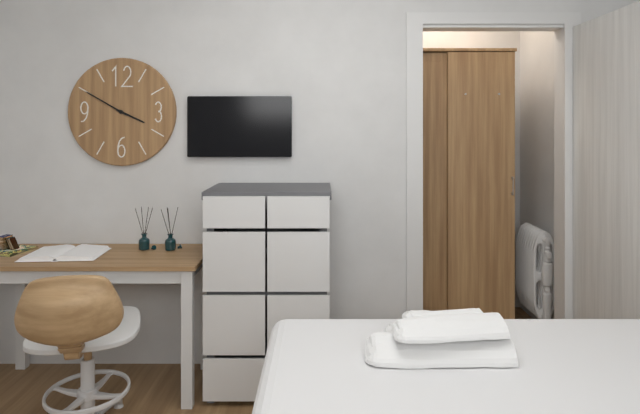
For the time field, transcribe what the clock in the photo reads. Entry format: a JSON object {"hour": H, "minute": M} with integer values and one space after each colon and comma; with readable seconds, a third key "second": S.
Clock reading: {"hour": 3, "minute": 50}
